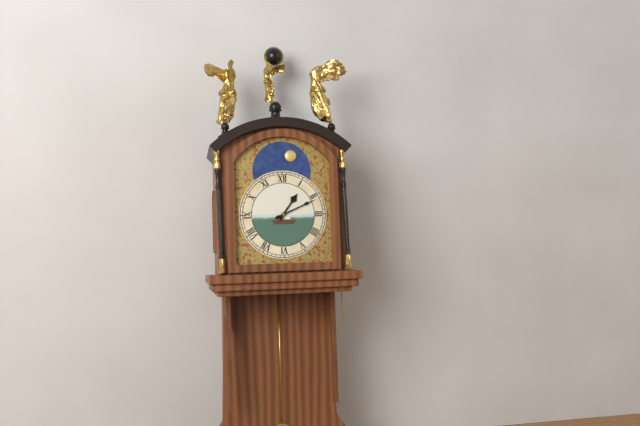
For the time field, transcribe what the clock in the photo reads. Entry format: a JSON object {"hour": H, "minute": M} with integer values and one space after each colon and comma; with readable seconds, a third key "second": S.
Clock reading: {"hour": 1, "minute": 11}
